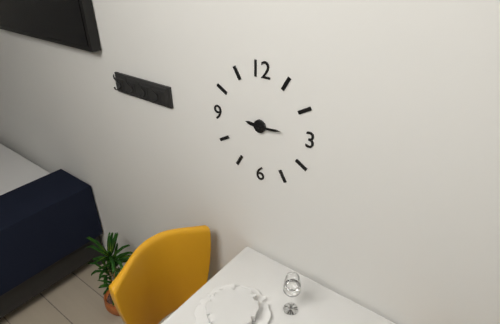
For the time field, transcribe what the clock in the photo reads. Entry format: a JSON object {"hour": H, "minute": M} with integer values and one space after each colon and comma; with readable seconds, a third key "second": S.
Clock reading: {"hour": 9, "minute": 14}
